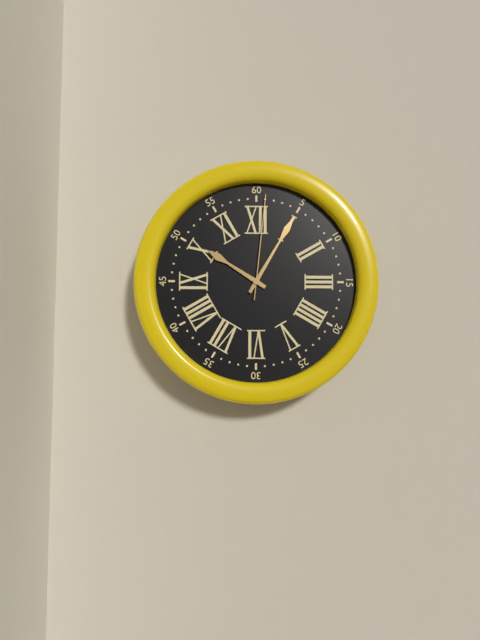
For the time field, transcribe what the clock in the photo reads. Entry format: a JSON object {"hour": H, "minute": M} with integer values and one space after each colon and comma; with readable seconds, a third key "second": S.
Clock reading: {"hour": 10, "minute": 5, "second": 1}
